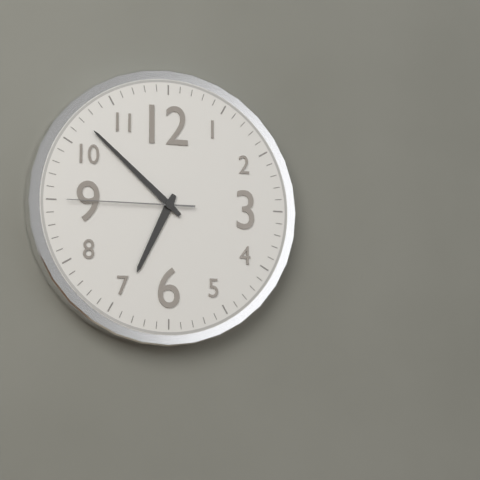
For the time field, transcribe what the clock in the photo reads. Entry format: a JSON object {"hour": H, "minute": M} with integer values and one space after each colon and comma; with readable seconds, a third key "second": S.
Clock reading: {"hour": 6, "minute": 52, "second": 45}
